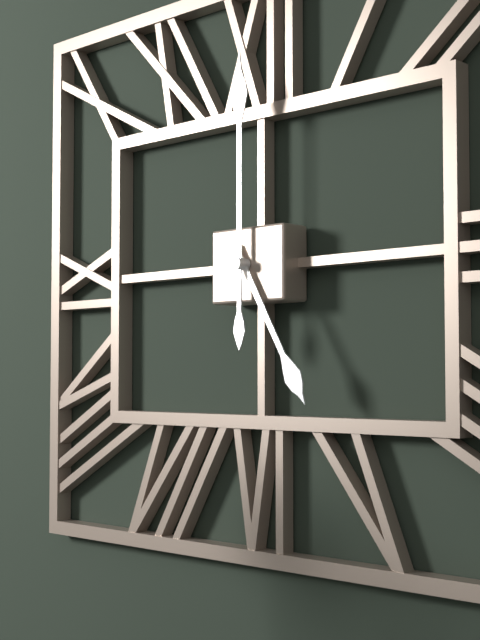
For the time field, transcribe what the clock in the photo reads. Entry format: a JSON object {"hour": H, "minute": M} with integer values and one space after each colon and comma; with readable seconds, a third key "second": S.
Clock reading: {"hour": 5, "minute": 0}
